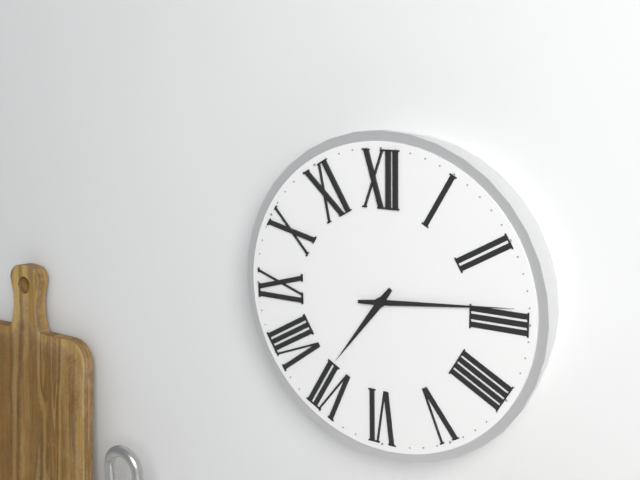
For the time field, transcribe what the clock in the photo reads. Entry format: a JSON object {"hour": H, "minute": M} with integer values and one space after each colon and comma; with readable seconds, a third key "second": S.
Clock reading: {"hour": 7, "minute": 14}
